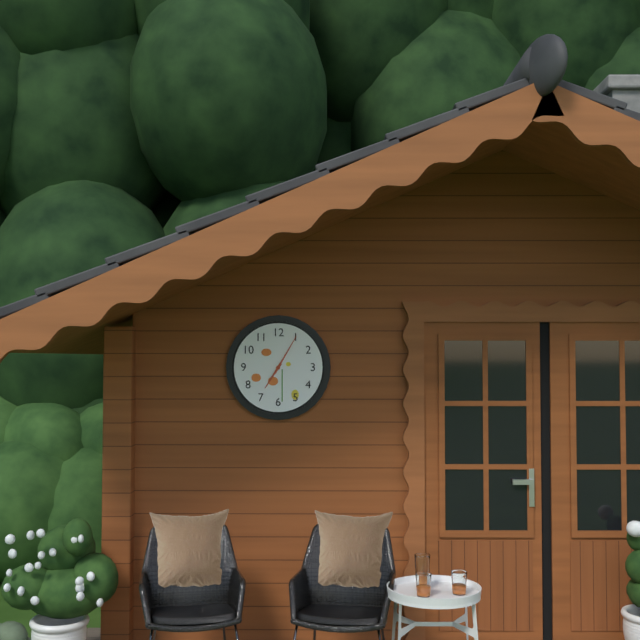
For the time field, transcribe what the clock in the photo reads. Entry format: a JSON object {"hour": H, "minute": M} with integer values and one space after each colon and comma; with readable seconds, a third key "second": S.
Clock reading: {"hour": 7, "minute": 5}
